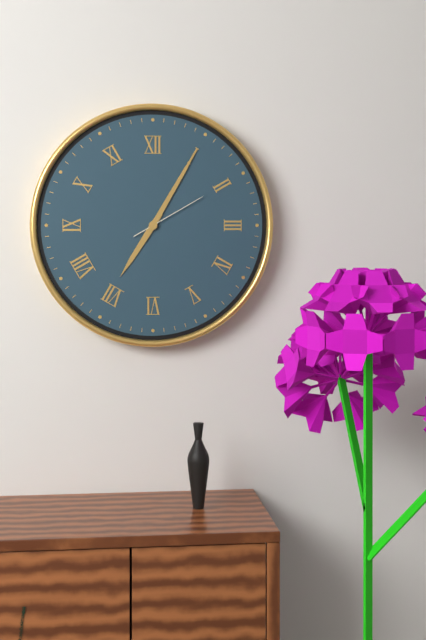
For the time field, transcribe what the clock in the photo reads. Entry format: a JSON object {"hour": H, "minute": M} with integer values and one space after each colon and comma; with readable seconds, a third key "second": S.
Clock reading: {"hour": 7, "minute": 5, "second": 10}
